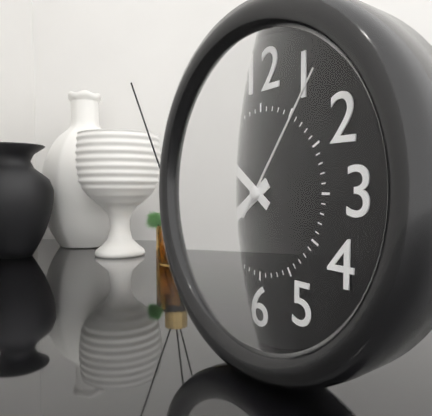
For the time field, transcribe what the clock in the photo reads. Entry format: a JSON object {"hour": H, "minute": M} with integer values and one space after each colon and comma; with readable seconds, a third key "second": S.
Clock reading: {"hour": 7, "minute": 51, "second": 6}
